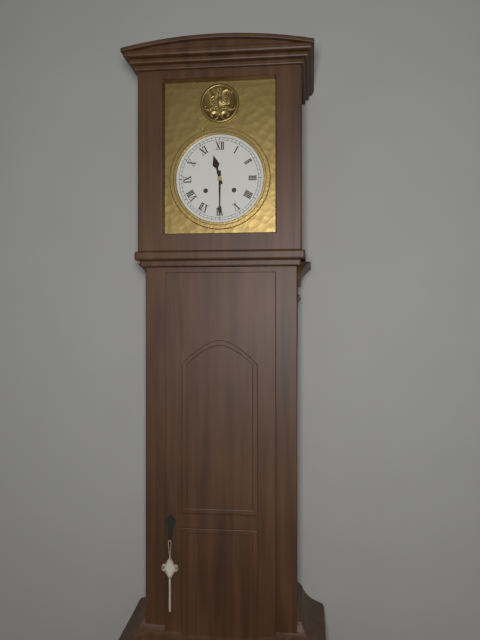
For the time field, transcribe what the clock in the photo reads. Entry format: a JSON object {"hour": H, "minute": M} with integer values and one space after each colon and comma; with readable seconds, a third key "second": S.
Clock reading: {"hour": 11, "minute": 30}
